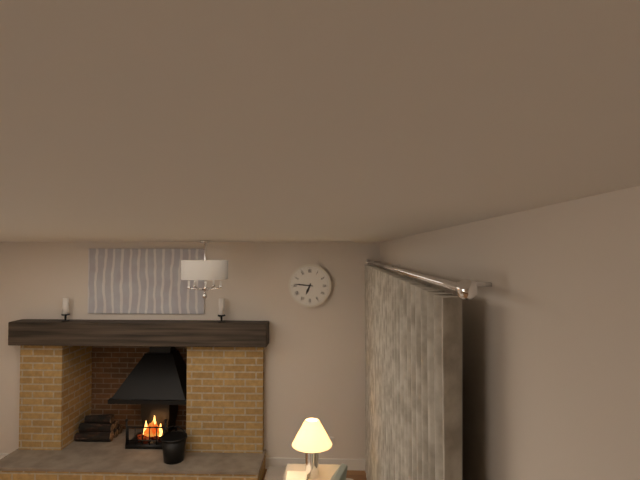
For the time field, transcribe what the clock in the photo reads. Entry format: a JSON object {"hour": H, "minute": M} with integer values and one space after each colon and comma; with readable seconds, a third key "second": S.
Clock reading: {"hour": 6, "minute": 46}
